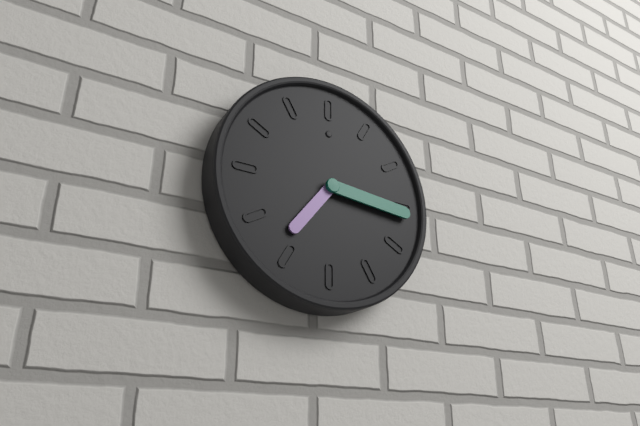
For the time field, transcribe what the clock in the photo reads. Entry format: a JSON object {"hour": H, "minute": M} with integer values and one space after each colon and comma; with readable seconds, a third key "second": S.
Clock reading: {"hour": 7, "minute": 16}
